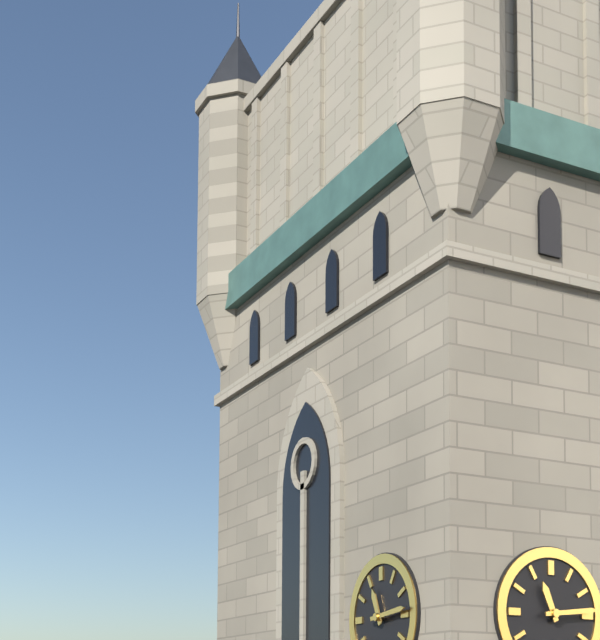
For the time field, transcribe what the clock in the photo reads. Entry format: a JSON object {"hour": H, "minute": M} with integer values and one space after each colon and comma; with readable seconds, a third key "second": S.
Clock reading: {"hour": 11, "minute": 14}
